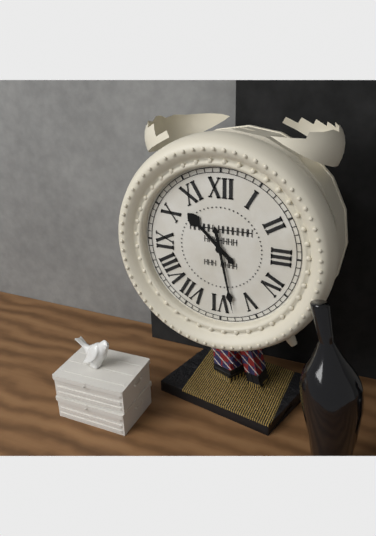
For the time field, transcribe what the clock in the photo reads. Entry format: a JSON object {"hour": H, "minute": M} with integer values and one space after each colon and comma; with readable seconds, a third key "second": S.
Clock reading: {"hour": 10, "minute": 28}
